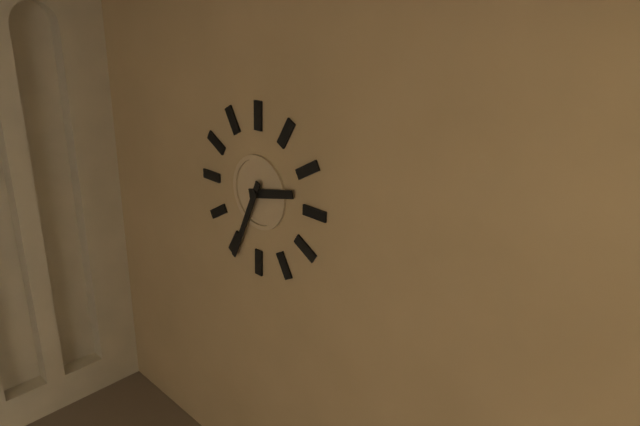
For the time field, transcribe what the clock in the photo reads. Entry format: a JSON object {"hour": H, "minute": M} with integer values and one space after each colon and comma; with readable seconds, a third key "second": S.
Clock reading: {"hour": 2, "minute": 34}
